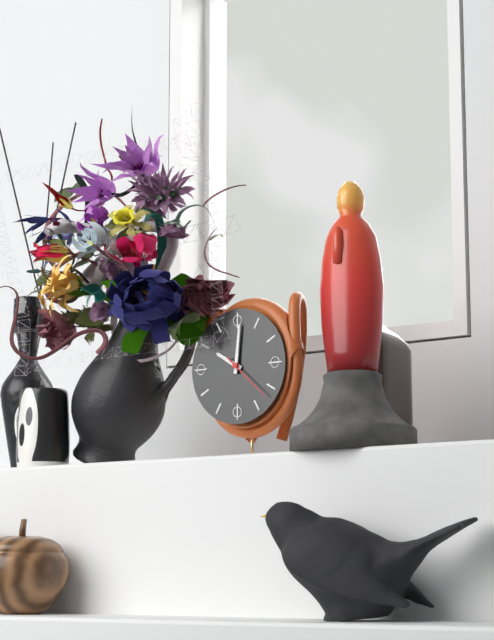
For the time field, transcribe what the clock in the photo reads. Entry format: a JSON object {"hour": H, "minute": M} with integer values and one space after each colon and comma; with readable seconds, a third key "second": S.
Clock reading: {"hour": 10, "minute": 1}
